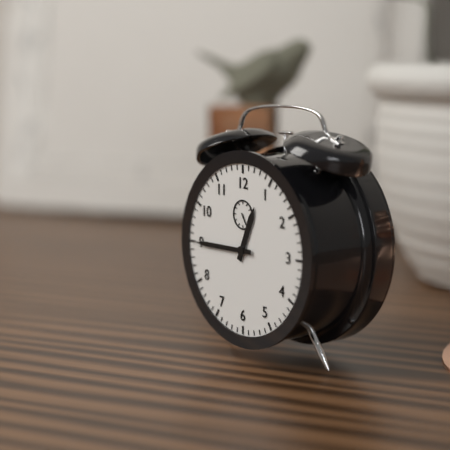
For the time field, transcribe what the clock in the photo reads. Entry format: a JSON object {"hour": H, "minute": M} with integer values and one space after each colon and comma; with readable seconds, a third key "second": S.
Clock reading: {"hour": 12, "minute": 45}
